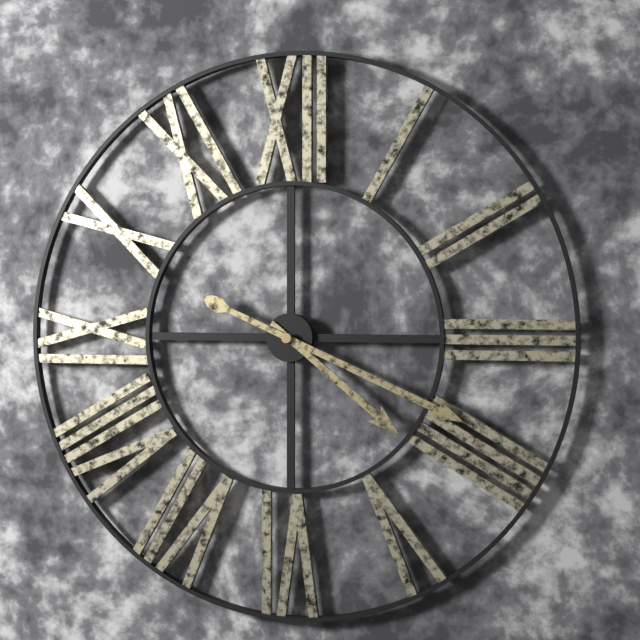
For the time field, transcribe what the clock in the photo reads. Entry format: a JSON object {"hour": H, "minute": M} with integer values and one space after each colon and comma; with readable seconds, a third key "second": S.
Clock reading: {"hour": 4, "minute": 19}
